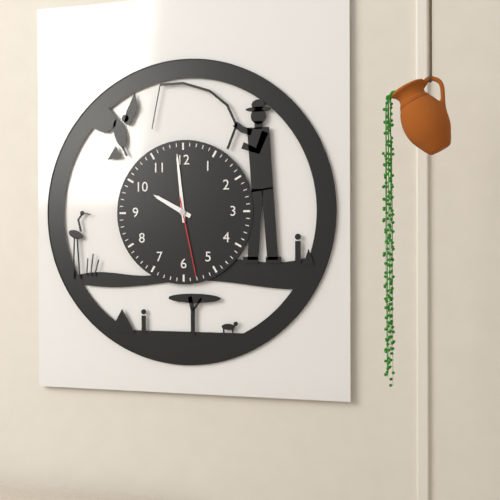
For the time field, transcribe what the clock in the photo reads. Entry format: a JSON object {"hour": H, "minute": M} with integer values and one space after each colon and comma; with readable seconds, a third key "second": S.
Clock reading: {"hour": 9, "minute": 59, "second": 28}
